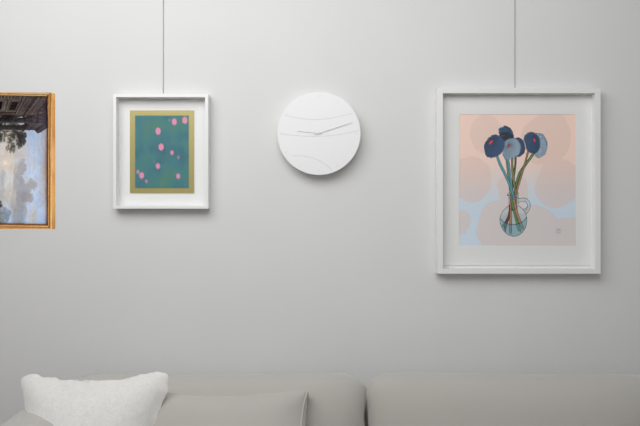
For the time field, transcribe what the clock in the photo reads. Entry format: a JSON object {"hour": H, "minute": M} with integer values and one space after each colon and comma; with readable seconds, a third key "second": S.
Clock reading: {"hour": 9, "minute": 12}
